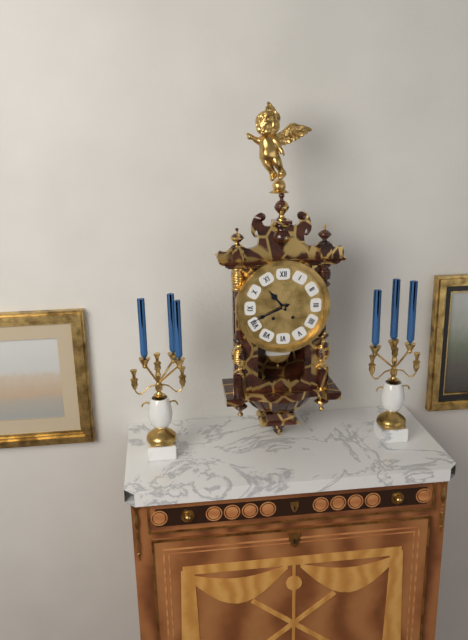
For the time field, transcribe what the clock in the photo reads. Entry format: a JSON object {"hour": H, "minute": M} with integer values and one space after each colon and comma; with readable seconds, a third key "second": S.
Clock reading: {"hour": 10, "minute": 41}
